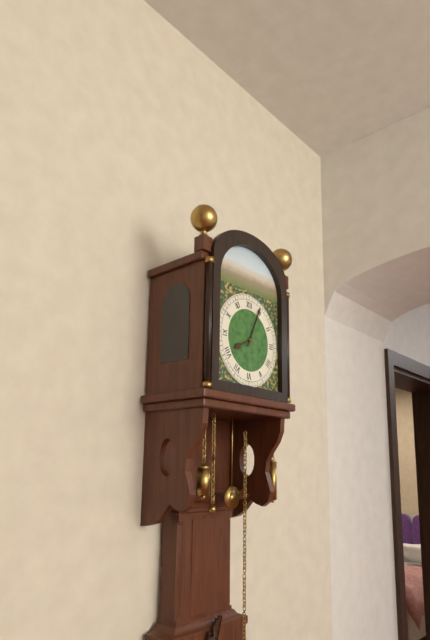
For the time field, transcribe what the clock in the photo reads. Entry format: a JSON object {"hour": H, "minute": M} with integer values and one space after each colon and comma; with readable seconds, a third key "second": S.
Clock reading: {"hour": 8, "minute": 4}
